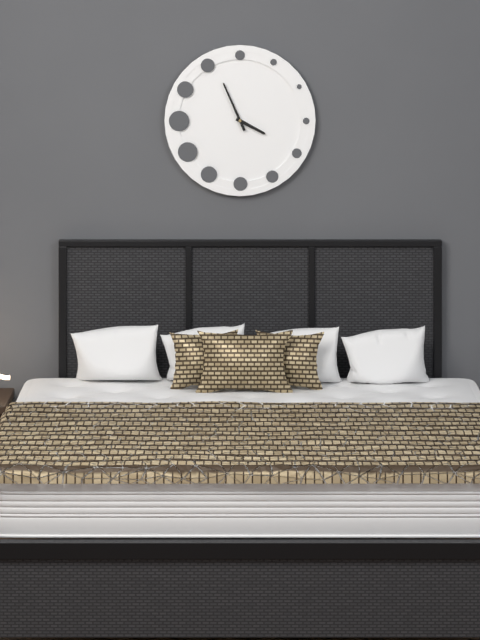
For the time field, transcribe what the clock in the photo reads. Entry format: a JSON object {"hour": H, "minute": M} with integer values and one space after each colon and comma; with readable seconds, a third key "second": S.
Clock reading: {"hour": 3, "minute": 56}
